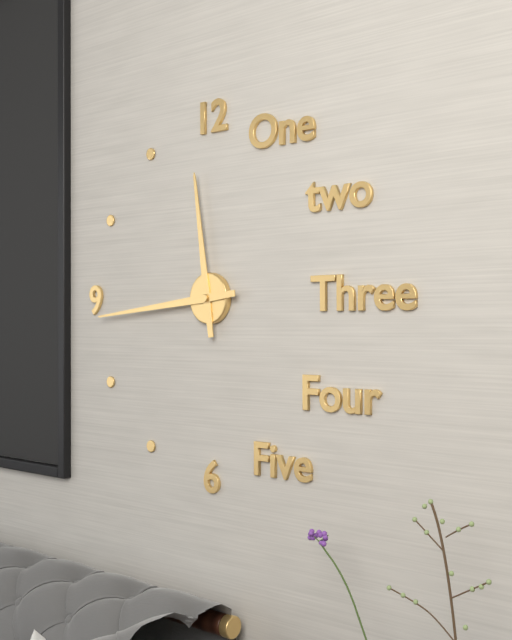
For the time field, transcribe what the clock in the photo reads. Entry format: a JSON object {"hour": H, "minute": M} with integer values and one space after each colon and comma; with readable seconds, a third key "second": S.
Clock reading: {"hour": 11, "minute": 44}
